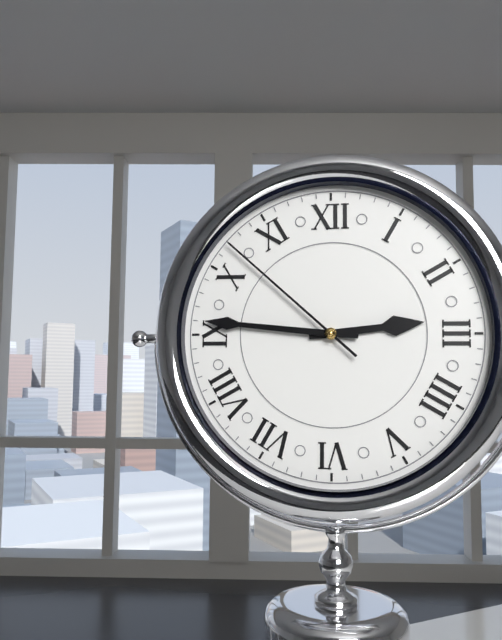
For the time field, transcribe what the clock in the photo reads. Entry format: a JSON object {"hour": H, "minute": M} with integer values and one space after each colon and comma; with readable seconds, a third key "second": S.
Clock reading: {"hour": 2, "minute": 46, "second": 52}
